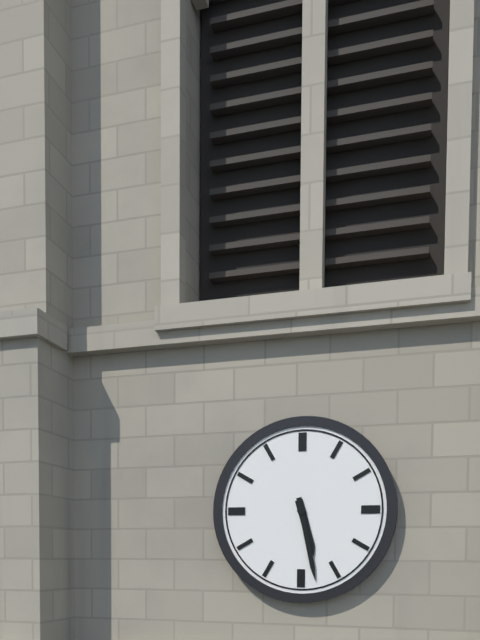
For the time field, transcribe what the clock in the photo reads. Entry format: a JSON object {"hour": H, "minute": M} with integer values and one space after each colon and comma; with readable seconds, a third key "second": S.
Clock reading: {"hour": 5, "minute": 28}
